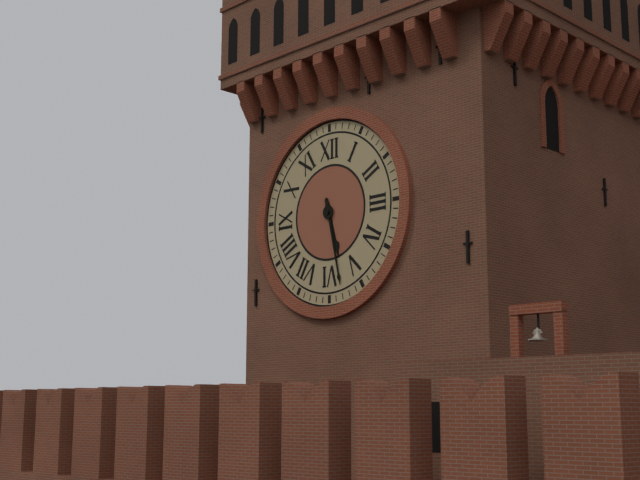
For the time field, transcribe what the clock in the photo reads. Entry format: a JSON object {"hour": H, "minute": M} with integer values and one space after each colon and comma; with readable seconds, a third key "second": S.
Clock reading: {"hour": 5, "minute": 28}
